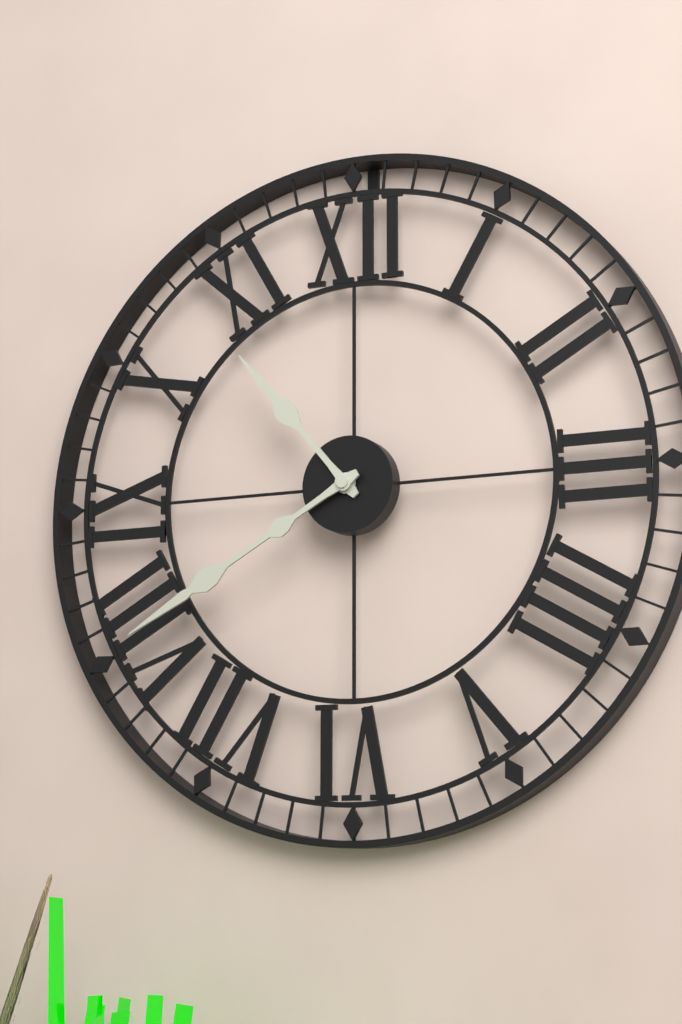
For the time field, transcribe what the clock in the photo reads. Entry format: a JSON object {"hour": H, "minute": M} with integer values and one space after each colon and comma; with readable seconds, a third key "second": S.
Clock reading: {"hour": 10, "minute": 40}
